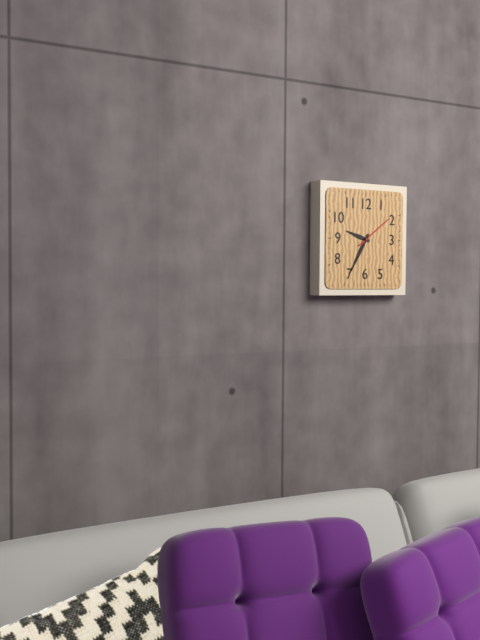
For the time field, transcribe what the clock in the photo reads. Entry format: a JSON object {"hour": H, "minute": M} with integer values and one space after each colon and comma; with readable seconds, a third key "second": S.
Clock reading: {"hour": 9, "minute": 35}
